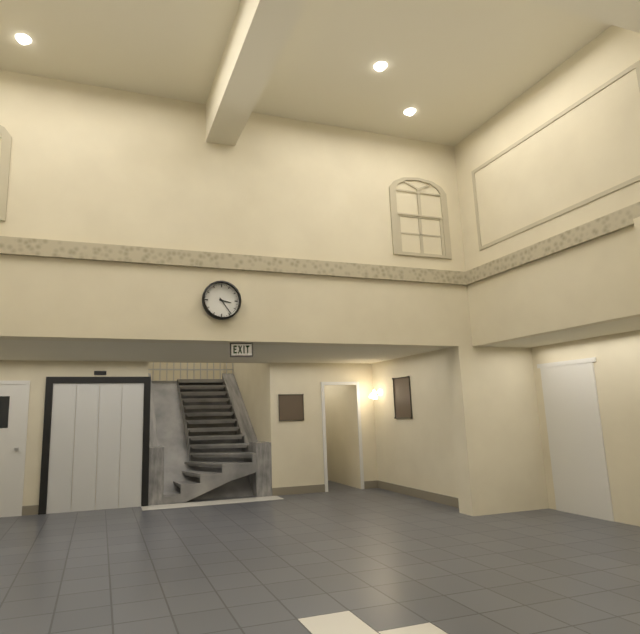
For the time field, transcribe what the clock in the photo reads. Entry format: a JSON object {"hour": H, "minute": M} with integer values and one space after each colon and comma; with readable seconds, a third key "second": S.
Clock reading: {"hour": 3, "minute": 24}
